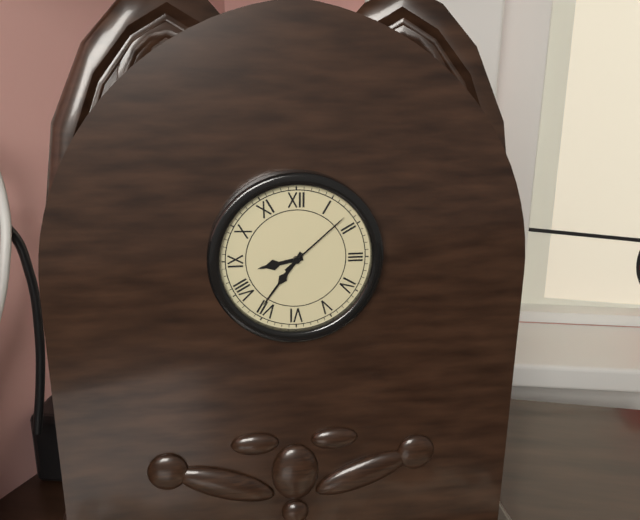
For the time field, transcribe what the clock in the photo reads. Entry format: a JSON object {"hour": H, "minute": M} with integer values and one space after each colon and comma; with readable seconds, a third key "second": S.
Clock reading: {"hour": 8, "minute": 36, "second": 8}
